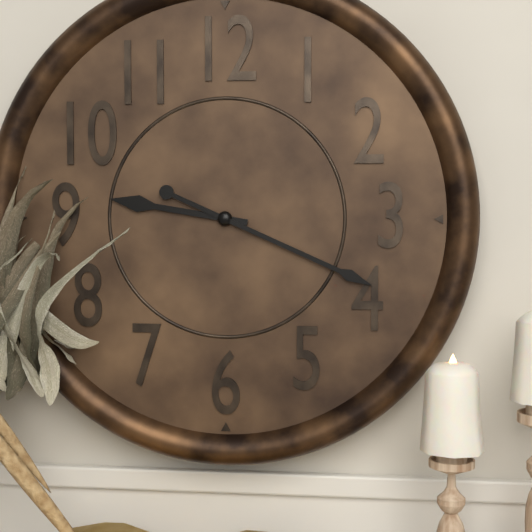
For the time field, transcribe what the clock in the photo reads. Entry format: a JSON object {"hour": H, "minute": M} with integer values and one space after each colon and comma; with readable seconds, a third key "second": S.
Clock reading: {"hour": 9, "minute": 19}
